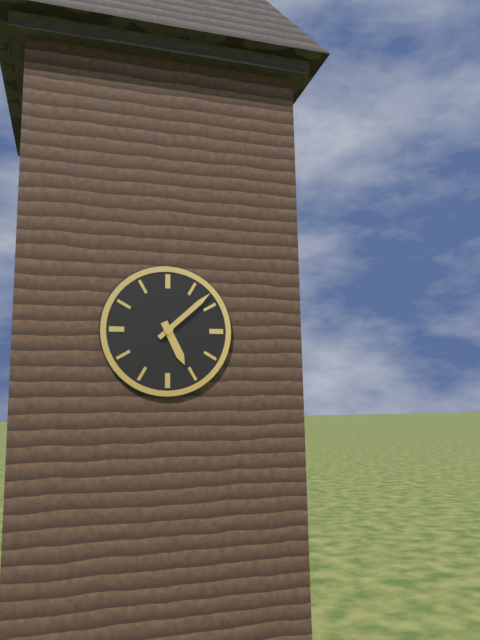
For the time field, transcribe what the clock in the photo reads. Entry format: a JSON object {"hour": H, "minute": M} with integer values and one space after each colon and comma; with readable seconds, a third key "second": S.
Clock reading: {"hour": 5, "minute": 8}
